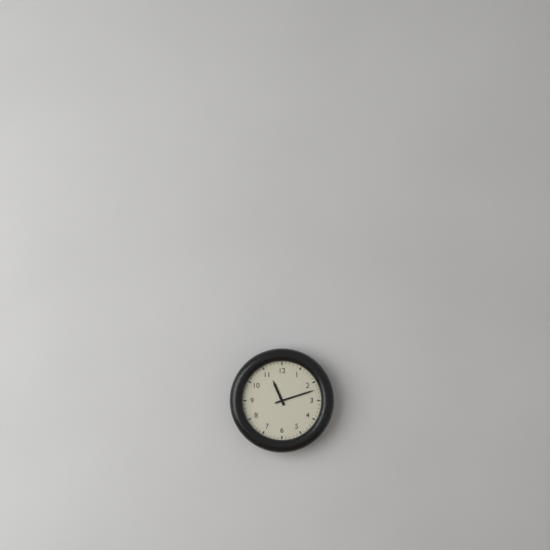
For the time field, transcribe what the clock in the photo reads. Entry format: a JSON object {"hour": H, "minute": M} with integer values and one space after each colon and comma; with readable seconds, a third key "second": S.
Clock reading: {"hour": 11, "minute": 12}
